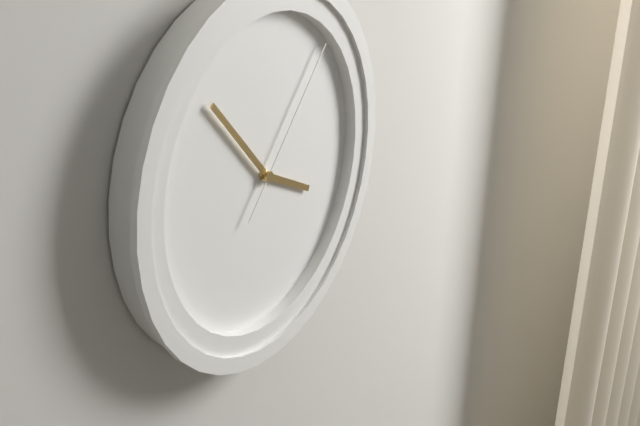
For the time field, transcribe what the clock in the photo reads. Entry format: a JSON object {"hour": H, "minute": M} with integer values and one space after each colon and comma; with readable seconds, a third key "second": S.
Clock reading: {"hour": 3, "minute": 53, "second": 7}
